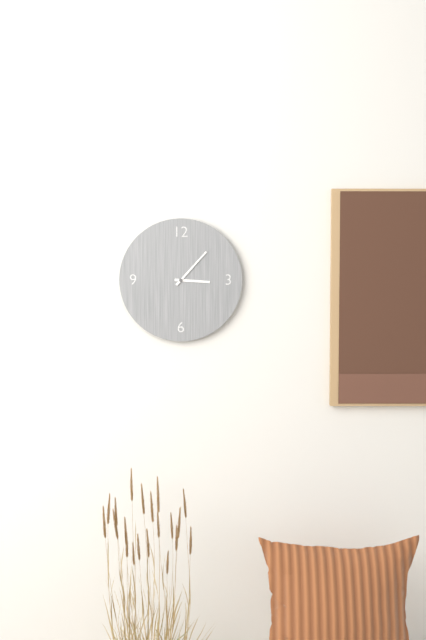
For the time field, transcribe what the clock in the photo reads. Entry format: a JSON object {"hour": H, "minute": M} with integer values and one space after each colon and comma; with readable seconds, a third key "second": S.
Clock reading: {"hour": 3, "minute": 7}
